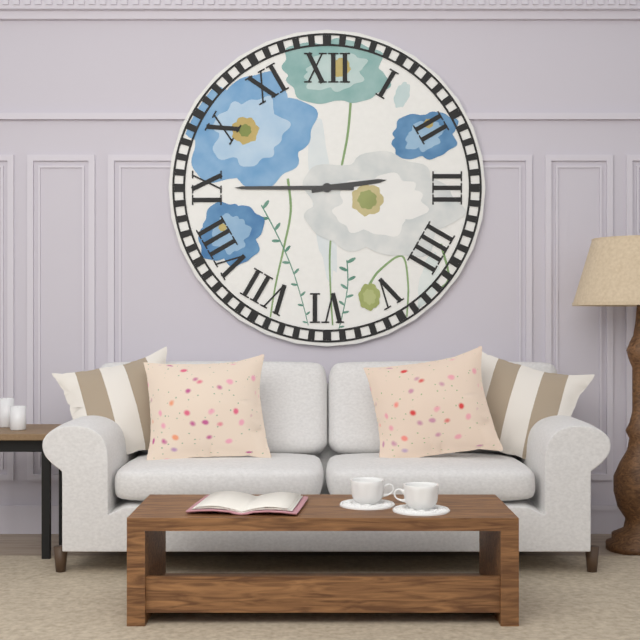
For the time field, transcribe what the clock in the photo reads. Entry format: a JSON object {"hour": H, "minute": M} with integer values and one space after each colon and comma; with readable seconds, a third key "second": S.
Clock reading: {"hour": 2, "minute": 45}
